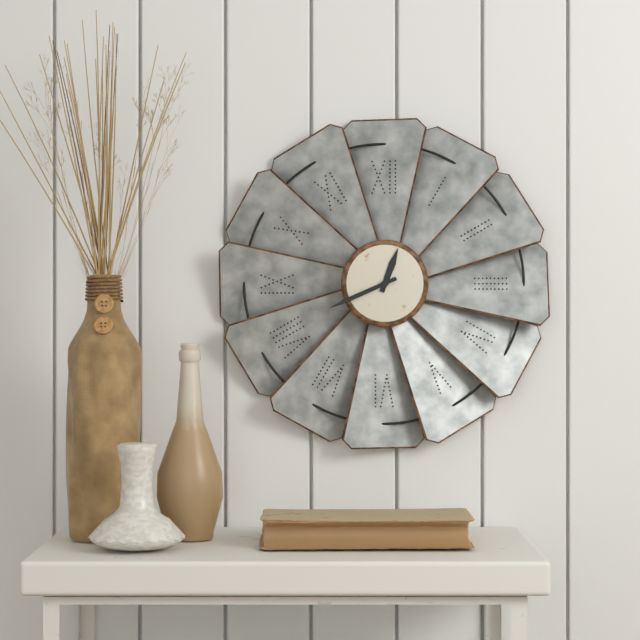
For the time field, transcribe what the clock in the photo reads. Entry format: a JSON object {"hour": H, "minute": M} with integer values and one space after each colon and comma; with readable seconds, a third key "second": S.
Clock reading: {"hour": 12, "minute": 41}
